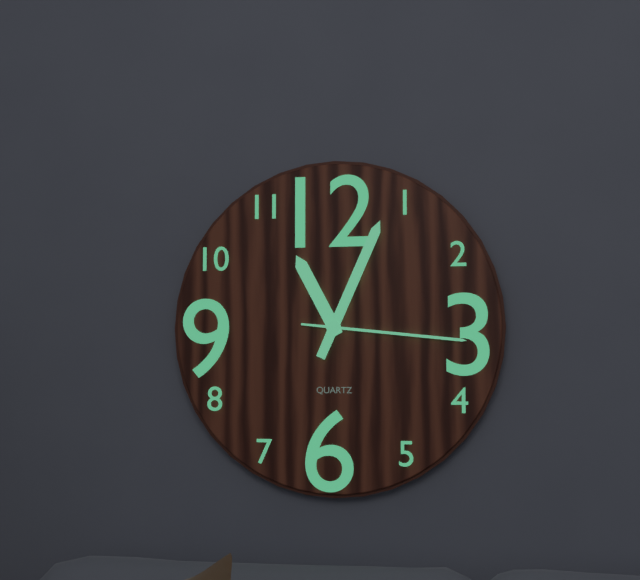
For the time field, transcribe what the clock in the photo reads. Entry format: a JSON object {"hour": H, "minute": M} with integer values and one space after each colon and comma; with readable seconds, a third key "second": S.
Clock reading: {"hour": 11, "minute": 4, "second": 16}
